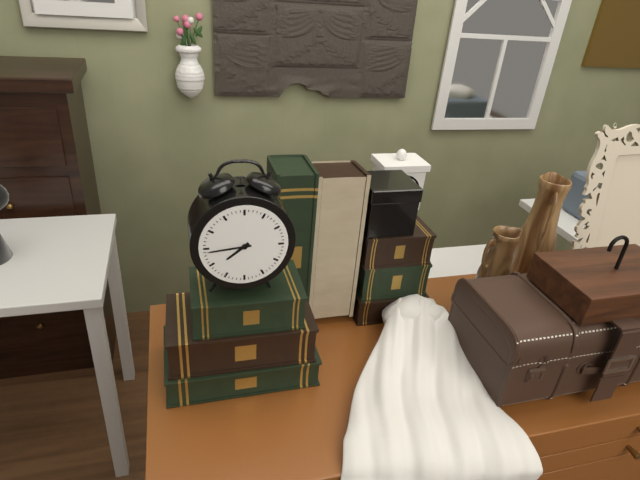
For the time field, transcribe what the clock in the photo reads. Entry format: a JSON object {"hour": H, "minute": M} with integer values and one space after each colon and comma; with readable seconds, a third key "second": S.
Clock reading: {"hour": 7, "minute": 44}
